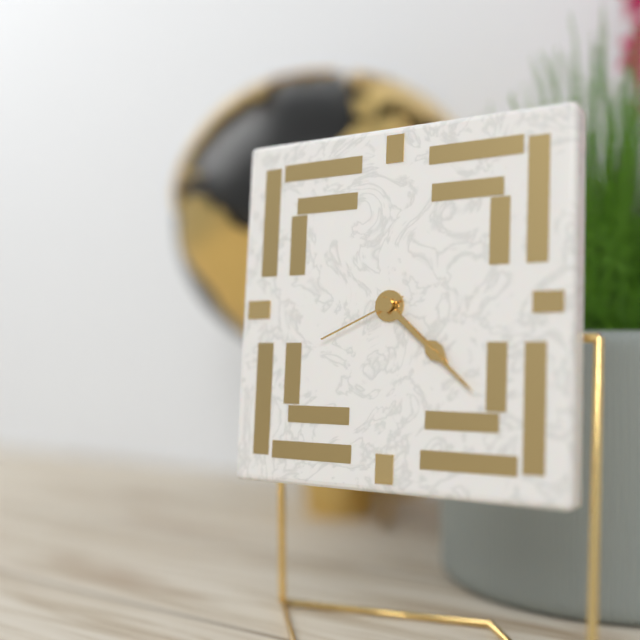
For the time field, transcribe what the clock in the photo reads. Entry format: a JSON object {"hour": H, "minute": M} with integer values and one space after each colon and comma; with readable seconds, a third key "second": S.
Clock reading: {"hour": 4, "minute": 22, "second": 41}
